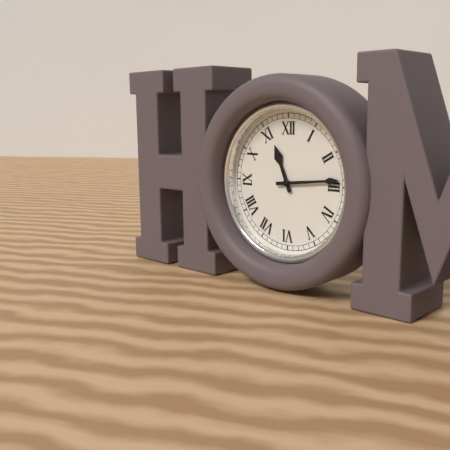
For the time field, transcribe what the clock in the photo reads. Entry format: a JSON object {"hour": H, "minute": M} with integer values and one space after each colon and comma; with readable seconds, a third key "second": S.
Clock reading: {"hour": 11, "minute": 14}
